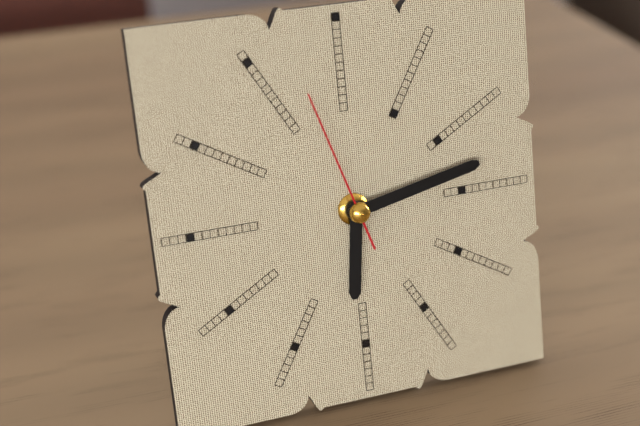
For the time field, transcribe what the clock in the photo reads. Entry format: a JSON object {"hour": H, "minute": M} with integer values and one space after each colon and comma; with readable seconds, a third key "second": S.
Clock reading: {"hour": 6, "minute": 13, "second": 57}
